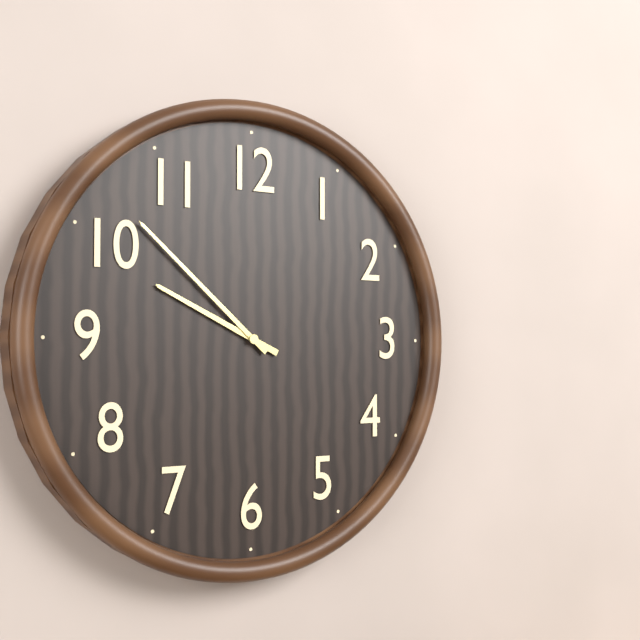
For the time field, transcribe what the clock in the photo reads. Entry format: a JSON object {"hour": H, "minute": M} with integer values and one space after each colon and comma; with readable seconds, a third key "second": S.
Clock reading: {"hour": 9, "minute": 52}
